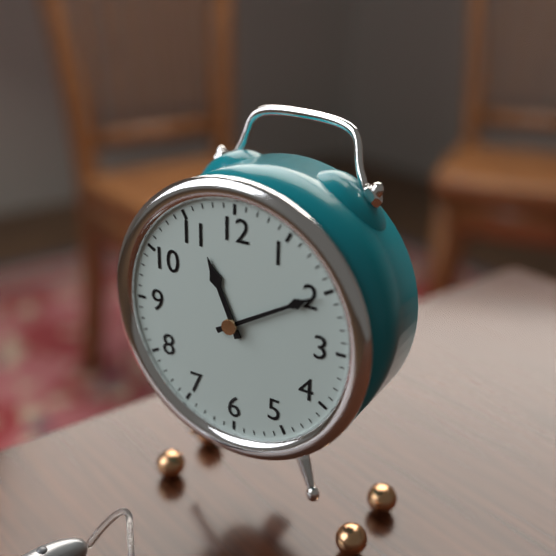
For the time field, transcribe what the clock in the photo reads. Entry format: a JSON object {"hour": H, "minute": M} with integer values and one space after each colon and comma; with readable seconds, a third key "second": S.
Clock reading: {"hour": 11, "minute": 10}
